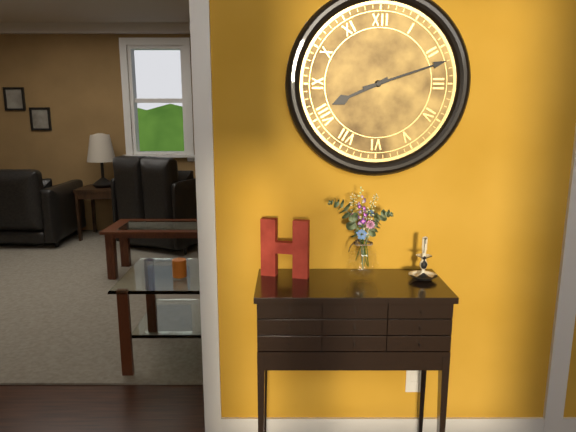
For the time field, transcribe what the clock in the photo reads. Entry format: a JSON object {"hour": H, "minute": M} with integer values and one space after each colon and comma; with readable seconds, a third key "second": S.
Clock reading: {"hour": 8, "minute": 12}
